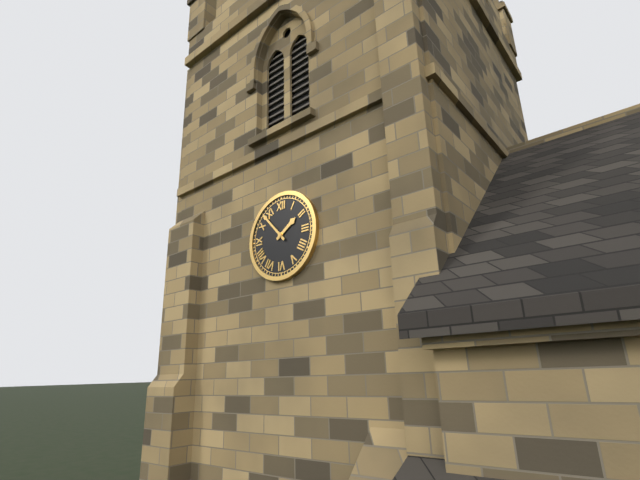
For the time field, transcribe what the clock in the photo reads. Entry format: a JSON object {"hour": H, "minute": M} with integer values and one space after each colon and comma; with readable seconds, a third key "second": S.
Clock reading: {"hour": 1, "minute": 53}
